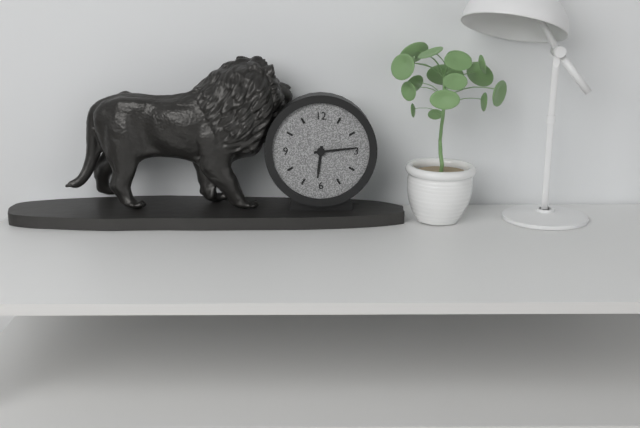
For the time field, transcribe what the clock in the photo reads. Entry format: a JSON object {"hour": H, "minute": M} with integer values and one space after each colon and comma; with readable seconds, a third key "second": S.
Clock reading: {"hour": 6, "minute": 14}
